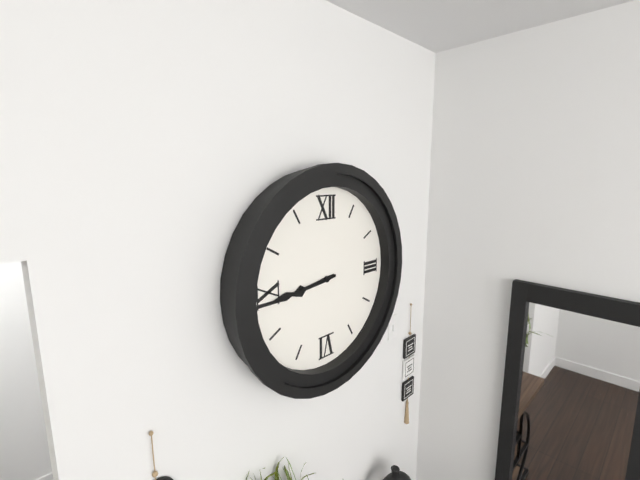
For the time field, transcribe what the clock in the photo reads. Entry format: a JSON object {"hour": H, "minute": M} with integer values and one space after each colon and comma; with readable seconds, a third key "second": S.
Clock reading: {"hour": 8, "minute": 44}
